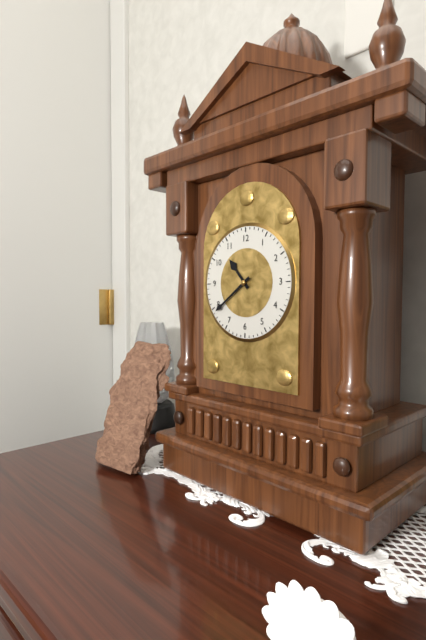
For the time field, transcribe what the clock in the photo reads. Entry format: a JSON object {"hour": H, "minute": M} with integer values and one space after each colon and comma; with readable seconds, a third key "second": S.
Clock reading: {"hour": 10, "minute": 39}
